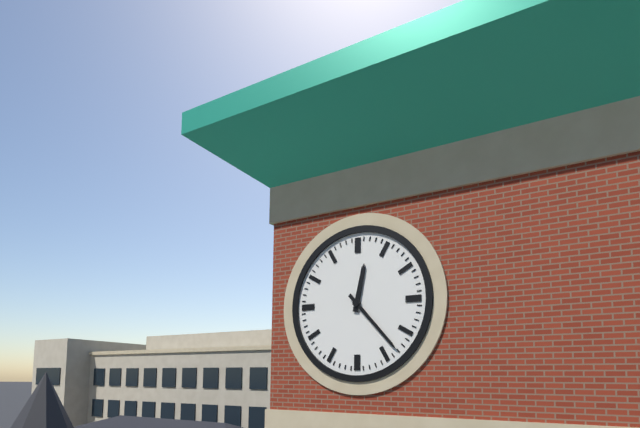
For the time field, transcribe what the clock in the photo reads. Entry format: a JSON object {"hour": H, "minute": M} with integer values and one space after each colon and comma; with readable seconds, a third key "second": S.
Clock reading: {"hour": 12, "minute": 23}
